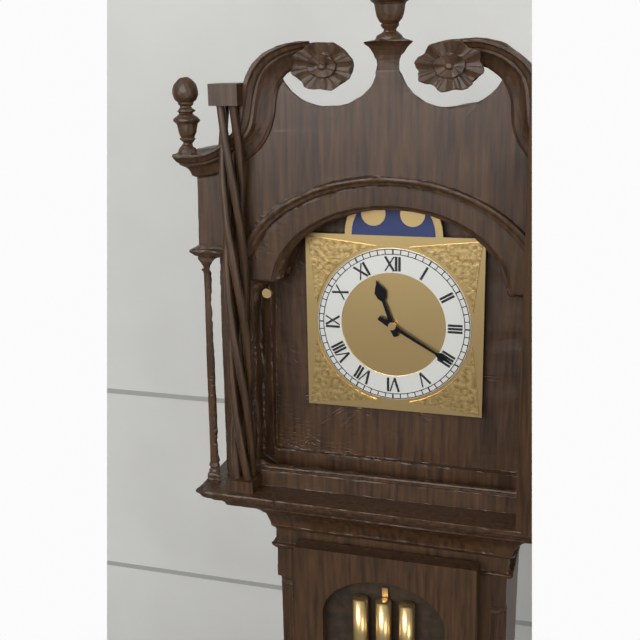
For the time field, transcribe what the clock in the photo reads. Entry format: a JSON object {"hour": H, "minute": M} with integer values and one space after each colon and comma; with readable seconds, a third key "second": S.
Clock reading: {"hour": 11, "minute": 20}
